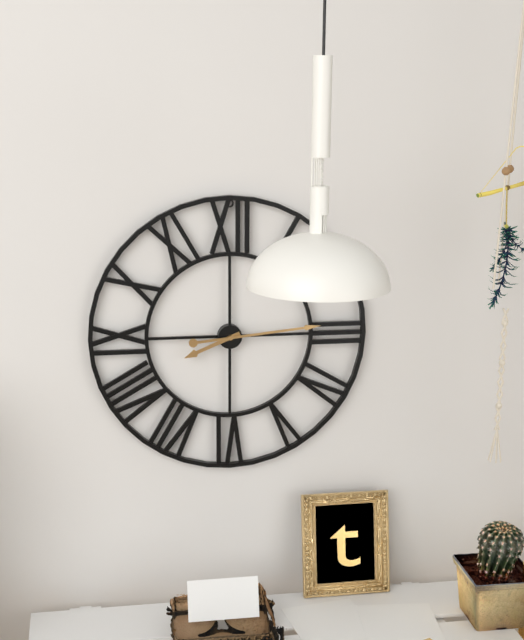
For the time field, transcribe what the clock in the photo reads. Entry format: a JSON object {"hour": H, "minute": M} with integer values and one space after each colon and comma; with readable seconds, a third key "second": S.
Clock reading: {"hour": 8, "minute": 14}
